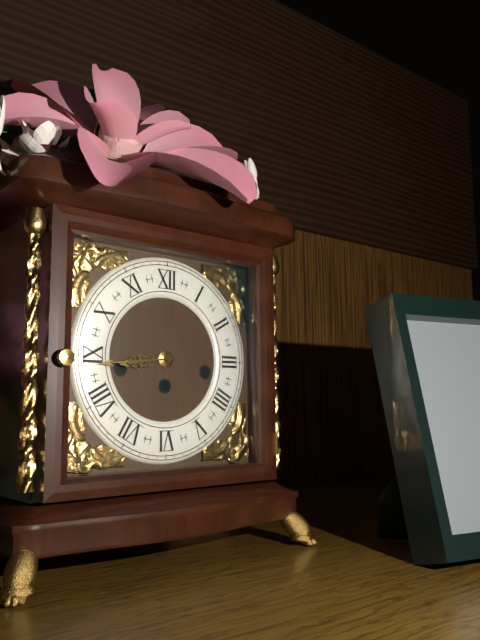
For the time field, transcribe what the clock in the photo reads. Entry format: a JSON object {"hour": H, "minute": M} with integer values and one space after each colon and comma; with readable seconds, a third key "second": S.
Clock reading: {"hour": 8, "minute": 44}
